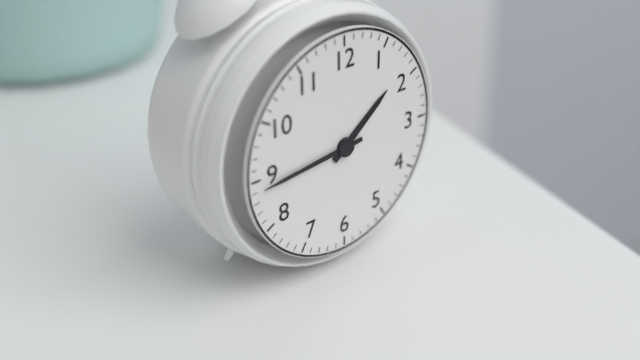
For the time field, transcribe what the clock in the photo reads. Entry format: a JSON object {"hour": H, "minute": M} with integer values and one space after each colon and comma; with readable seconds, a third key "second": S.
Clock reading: {"hour": 1, "minute": 44}
